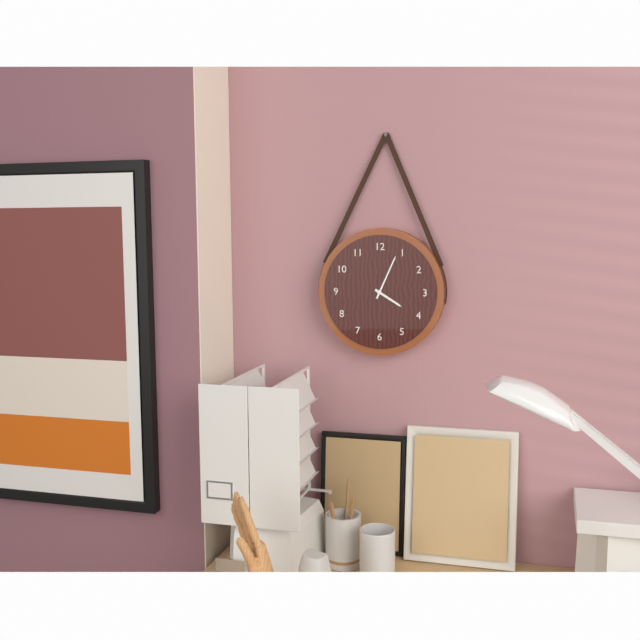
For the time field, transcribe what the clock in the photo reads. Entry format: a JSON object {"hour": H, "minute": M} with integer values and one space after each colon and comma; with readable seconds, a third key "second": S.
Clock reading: {"hour": 4, "minute": 4}
